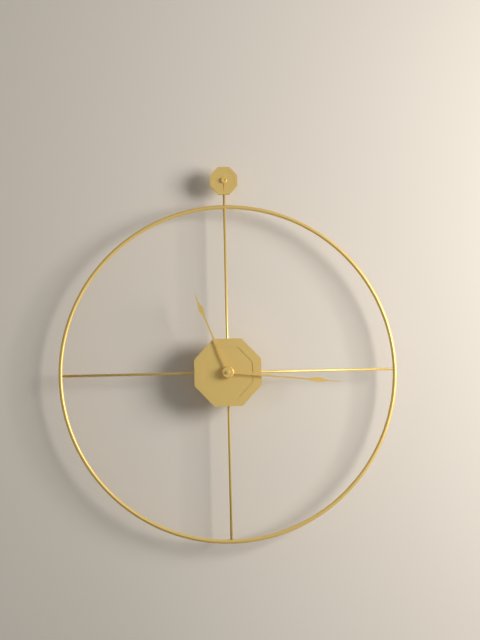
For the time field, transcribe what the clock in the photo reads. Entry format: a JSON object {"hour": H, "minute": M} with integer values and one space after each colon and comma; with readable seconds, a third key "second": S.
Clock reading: {"hour": 11, "minute": 16}
